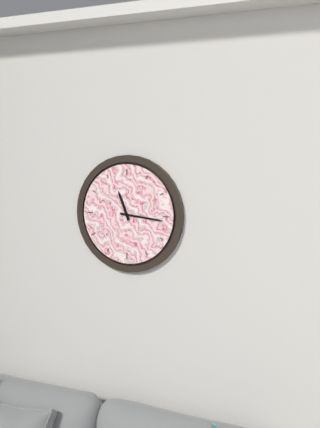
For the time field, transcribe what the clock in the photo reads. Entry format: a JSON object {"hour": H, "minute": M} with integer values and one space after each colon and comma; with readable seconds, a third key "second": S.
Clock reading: {"hour": 11, "minute": 16}
